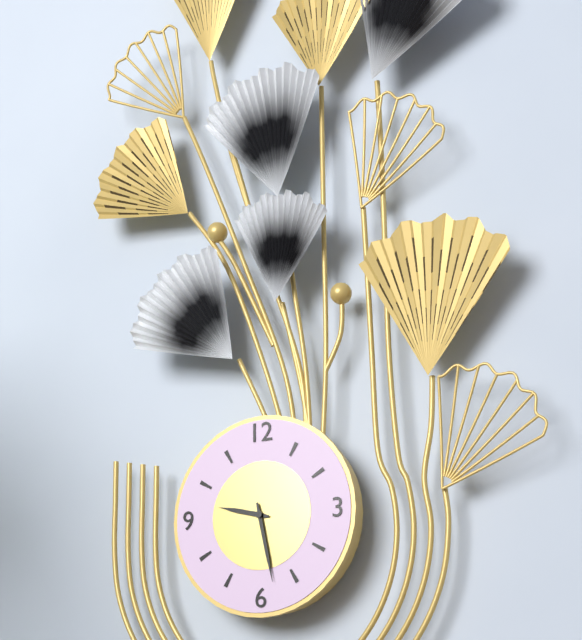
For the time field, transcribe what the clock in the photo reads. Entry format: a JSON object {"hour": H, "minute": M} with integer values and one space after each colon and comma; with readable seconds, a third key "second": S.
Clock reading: {"hour": 9, "minute": 28}
